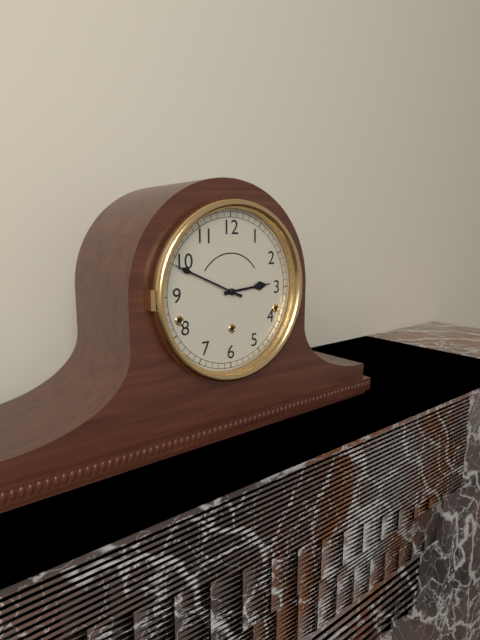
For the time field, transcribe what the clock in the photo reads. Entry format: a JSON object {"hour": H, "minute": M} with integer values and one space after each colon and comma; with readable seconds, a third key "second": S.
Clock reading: {"hour": 2, "minute": 49}
